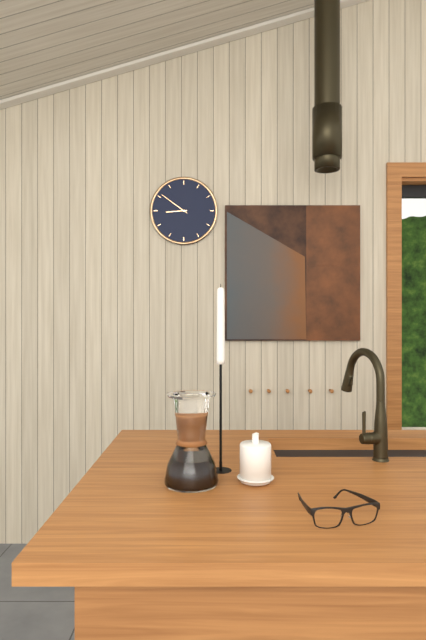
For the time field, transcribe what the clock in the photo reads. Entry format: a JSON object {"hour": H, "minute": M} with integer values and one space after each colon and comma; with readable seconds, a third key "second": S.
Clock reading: {"hour": 8, "minute": 51}
